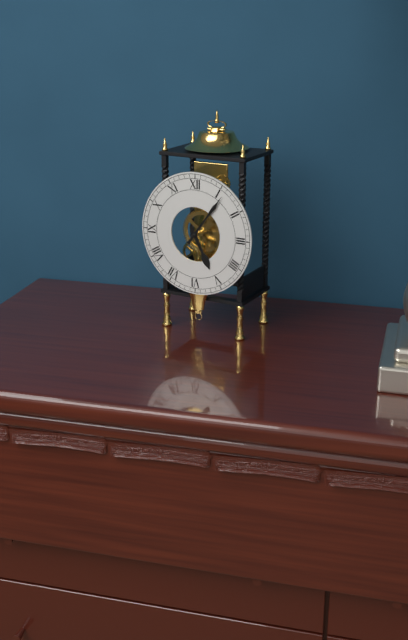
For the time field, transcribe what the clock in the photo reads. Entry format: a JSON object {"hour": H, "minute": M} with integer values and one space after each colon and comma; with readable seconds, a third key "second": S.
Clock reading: {"hour": 5, "minute": 6}
